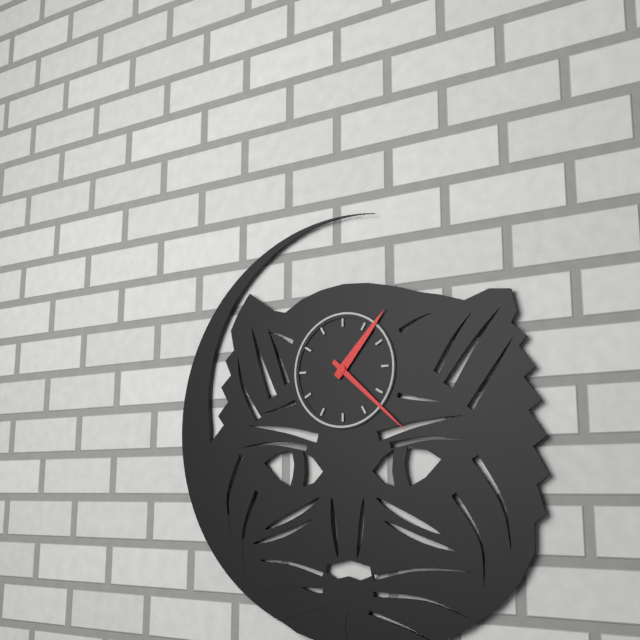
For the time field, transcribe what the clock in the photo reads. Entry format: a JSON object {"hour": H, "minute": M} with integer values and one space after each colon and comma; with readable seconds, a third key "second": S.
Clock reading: {"hour": 1, "minute": 22}
